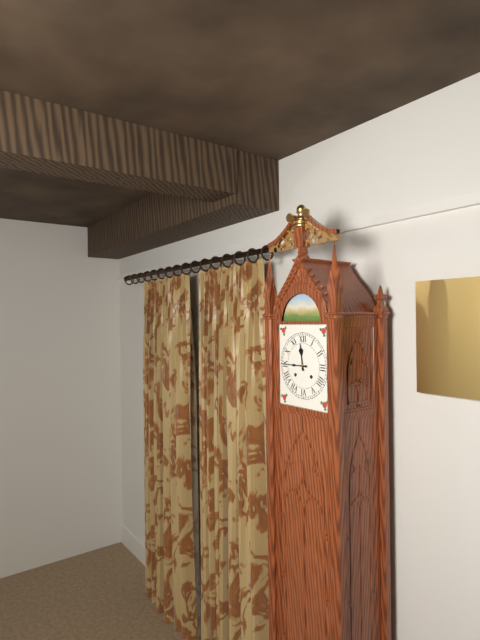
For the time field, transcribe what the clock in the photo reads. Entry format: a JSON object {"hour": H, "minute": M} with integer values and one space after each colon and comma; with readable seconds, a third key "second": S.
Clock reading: {"hour": 11, "minute": 45}
